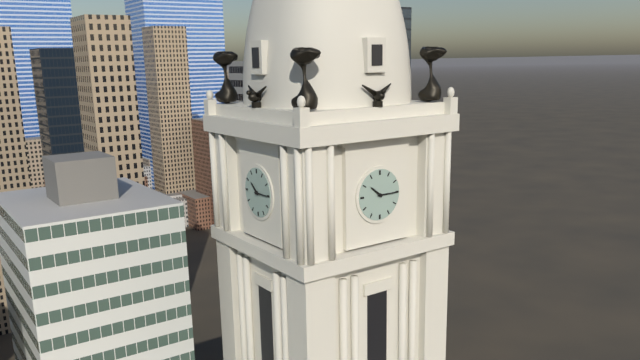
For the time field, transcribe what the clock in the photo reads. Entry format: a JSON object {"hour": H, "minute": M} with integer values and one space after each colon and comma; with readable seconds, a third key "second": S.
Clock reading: {"hour": 10, "minute": 15}
